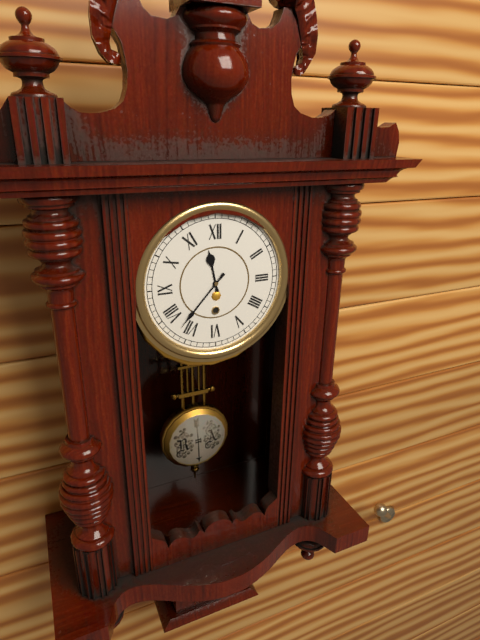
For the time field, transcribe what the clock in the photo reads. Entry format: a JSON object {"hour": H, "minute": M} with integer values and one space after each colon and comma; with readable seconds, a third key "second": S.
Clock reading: {"hour": 11, "minute": 37}
